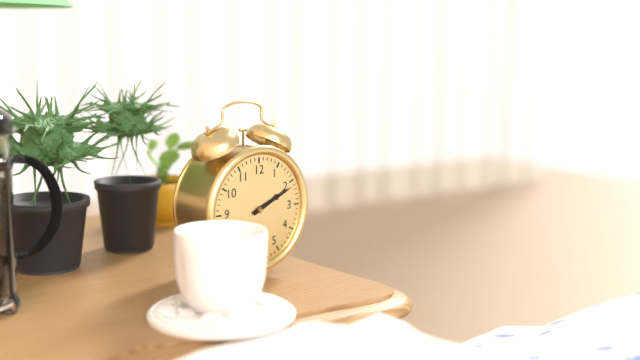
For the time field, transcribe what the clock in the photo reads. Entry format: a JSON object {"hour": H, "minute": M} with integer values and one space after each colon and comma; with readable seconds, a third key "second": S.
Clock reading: {"hour": 2, "minute": 11}
